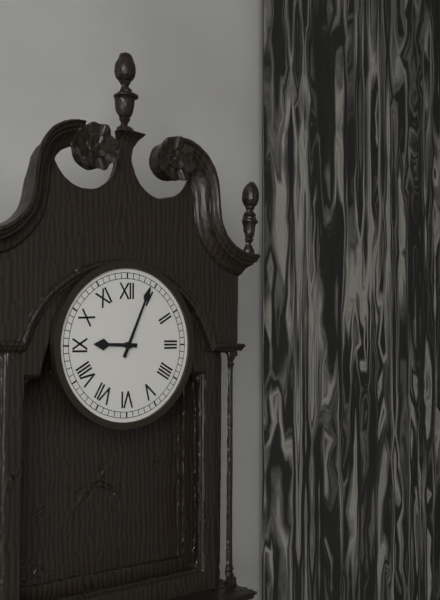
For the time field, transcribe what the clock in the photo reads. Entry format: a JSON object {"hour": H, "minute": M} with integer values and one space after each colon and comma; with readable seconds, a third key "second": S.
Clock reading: {"hour": 9, "minute": 4}
